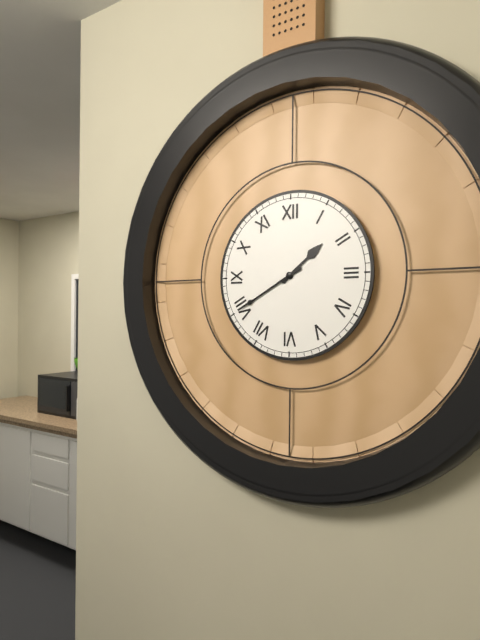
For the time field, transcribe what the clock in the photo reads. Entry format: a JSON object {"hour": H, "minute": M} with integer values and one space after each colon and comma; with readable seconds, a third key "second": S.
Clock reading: {"hour": 1, "minute": 40}
